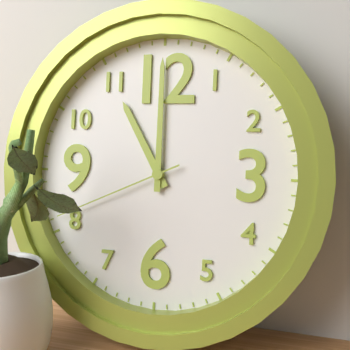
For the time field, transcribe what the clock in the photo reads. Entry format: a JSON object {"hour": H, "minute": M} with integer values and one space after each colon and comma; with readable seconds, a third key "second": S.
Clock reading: {"hour": 11, "minute": 0, "second": 41}
